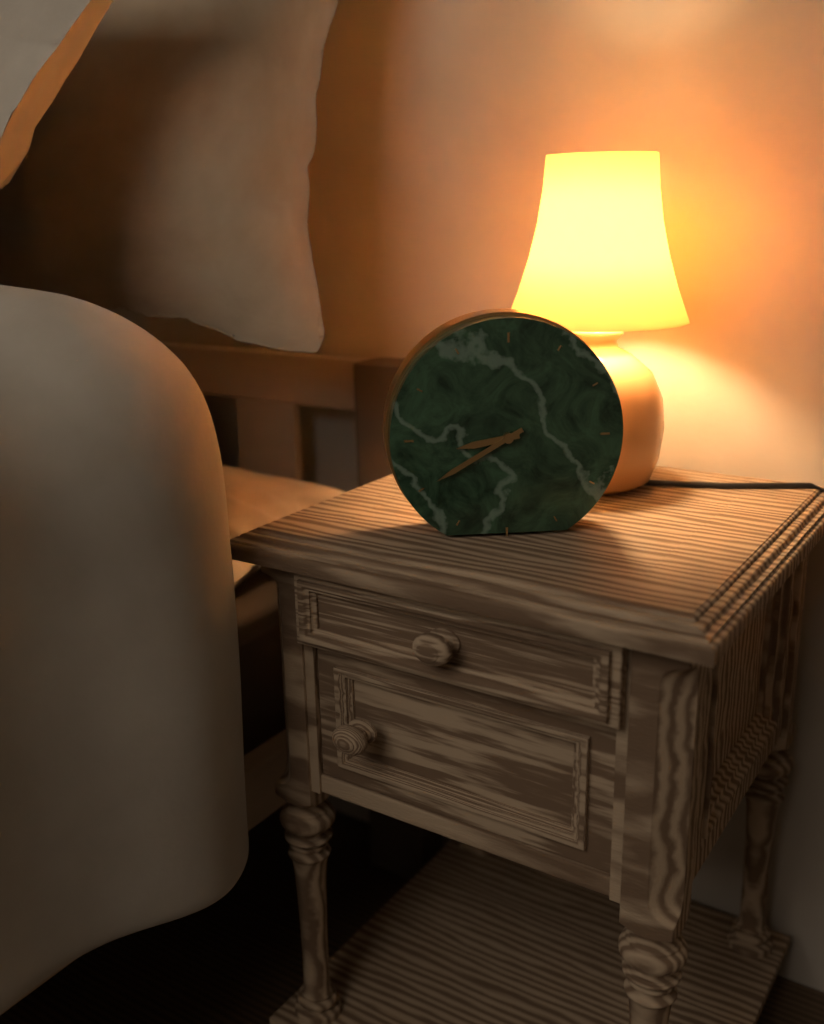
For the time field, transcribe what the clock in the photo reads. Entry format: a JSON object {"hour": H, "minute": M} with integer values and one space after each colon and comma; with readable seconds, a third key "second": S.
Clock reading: {"hour": 8, "minute": 40}
